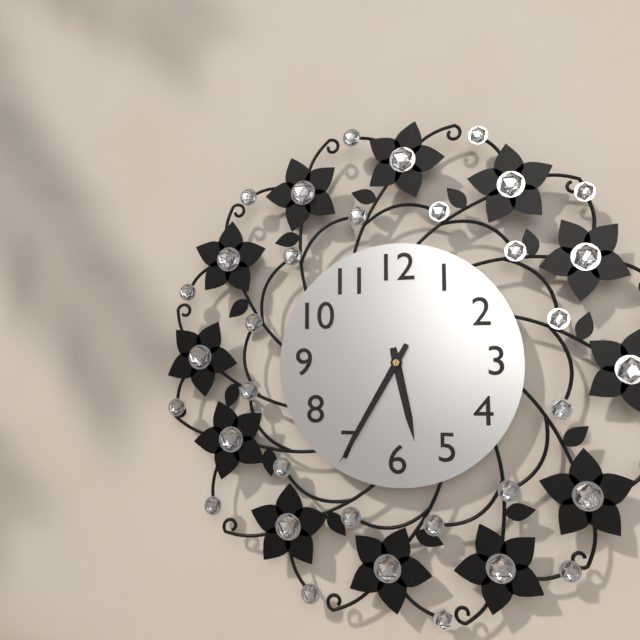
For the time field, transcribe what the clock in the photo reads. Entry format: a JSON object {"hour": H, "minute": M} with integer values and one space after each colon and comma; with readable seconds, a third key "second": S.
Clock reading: {"hour": 5, "minute": 35}
